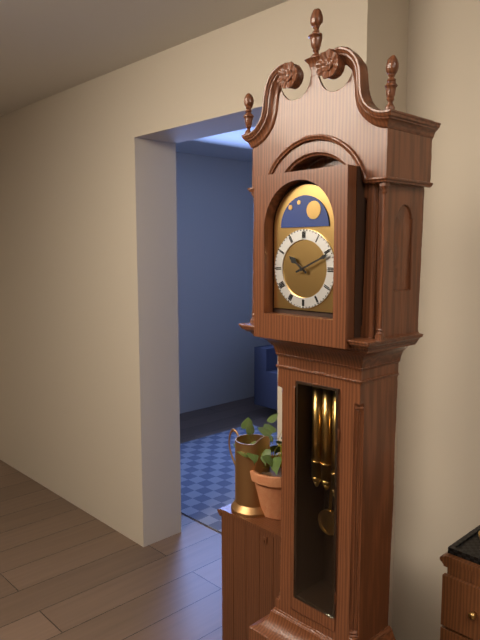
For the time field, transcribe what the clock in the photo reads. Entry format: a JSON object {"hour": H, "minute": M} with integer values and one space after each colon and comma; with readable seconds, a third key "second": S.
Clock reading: {"hour": 10, "minute": 11}
